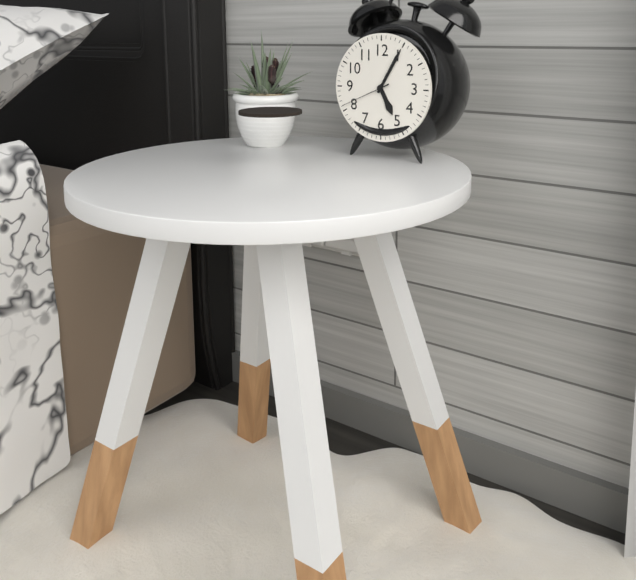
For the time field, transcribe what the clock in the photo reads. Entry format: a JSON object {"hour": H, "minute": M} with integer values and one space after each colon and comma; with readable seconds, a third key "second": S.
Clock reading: {"hour": 5, "minute": 5, "second": 41}
